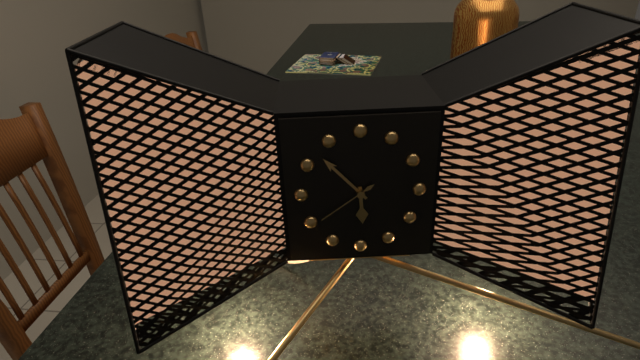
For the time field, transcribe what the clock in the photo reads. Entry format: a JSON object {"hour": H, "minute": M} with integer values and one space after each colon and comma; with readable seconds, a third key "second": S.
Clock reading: {"hour": 5, "minute": 53, "second": 39}
